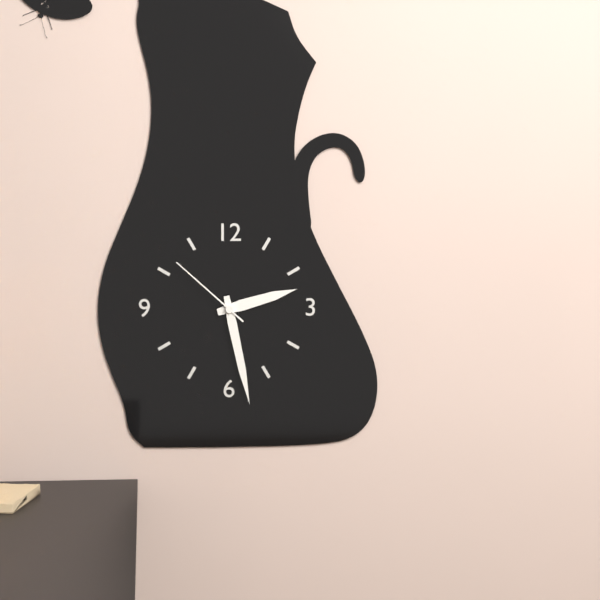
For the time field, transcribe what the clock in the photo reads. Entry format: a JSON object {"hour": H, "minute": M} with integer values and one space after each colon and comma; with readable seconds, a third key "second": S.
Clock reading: {"hour": 2, "minute": 28, "second": 52}
